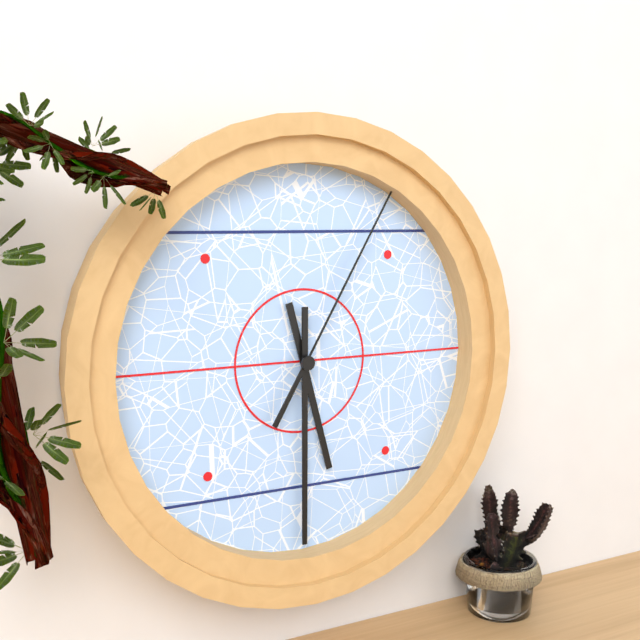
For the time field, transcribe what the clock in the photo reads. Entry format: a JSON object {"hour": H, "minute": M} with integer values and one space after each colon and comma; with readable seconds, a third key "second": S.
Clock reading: {"hour": 5, "minute": 30, "second": 5}
